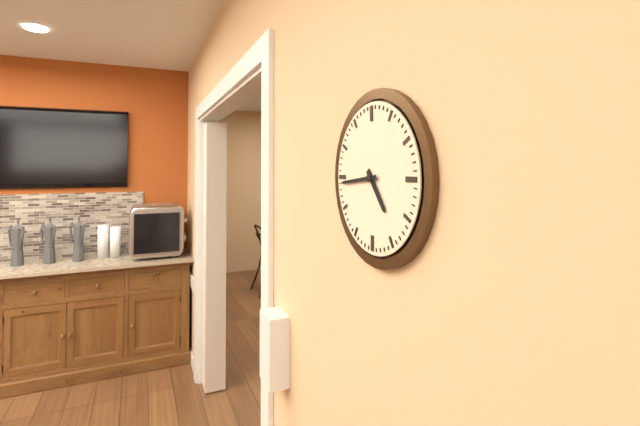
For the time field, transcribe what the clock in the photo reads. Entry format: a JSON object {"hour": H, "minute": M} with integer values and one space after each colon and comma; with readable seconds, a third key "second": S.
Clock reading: {"hour": 4, "minute": 44}
